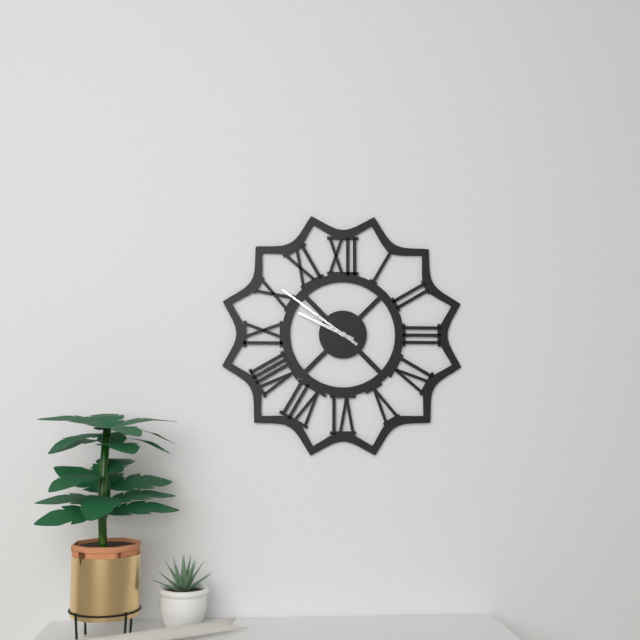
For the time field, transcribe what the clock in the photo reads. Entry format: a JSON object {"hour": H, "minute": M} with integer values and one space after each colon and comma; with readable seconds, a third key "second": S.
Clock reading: {"hour": 9, "minute": 51, "second": 51}
